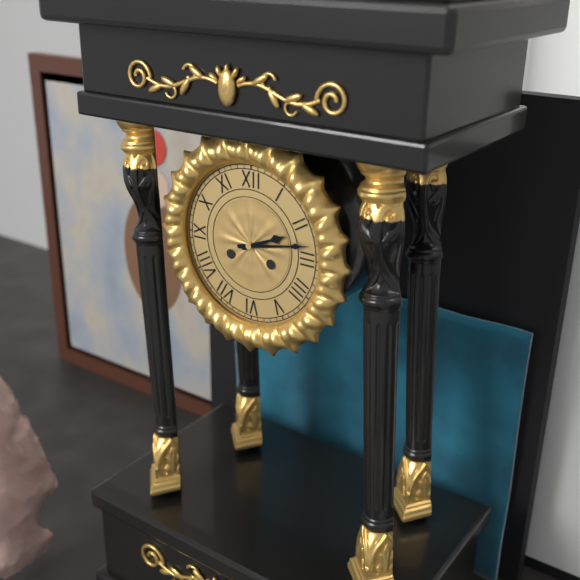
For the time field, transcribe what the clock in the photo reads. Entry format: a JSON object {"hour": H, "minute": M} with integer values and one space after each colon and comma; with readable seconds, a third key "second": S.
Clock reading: {"hour": 2, "minute": 13}
